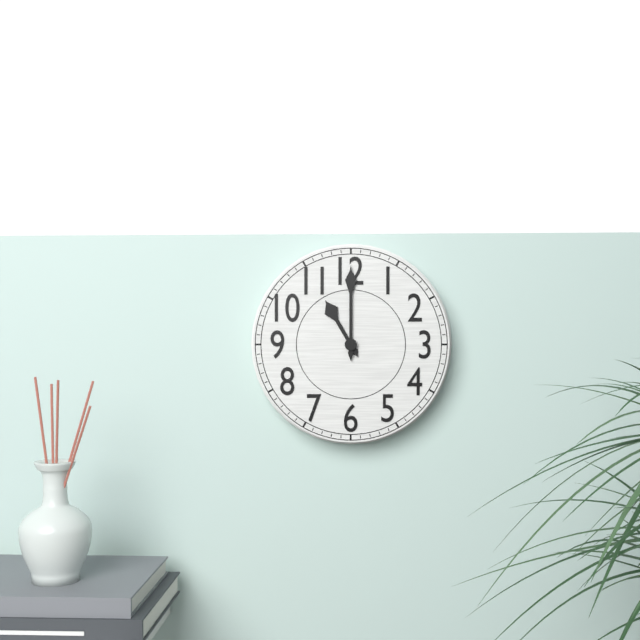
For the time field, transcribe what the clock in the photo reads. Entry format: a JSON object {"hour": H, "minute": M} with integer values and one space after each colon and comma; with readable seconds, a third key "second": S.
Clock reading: {"hour": 11, "minute": 0}
